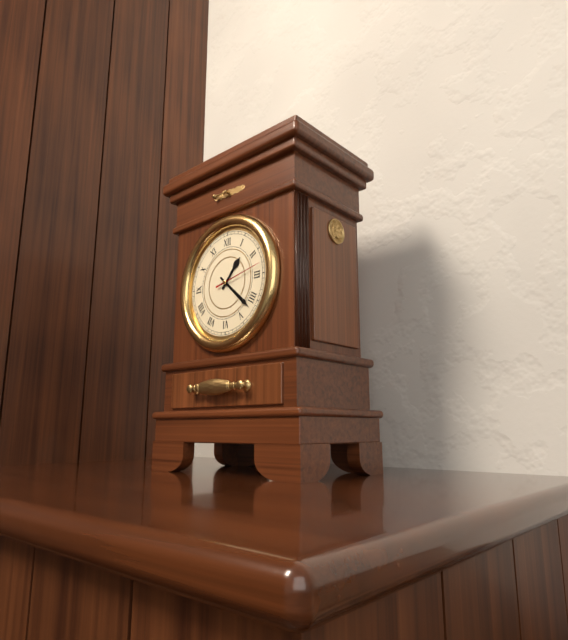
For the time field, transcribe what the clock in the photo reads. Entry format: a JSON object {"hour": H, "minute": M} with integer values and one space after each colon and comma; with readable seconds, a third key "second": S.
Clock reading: {"hour": 1, "minute": 22}
